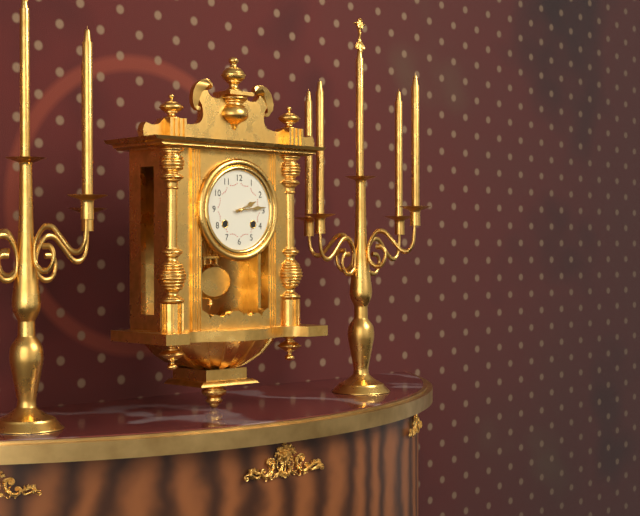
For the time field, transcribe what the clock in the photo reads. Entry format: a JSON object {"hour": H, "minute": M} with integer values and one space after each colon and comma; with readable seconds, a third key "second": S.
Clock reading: {"hour": 2, "minute": 14}
